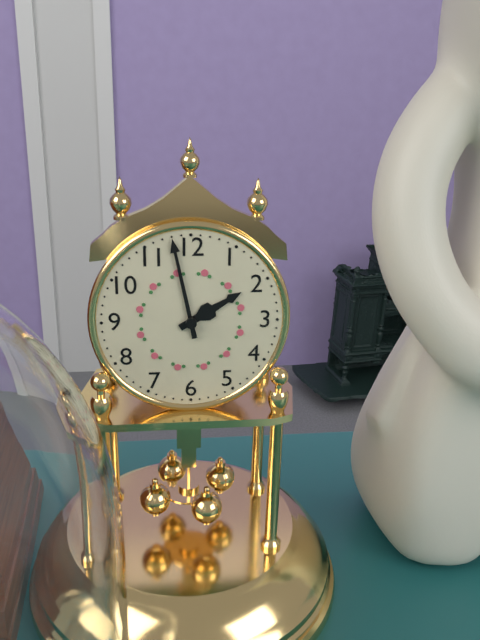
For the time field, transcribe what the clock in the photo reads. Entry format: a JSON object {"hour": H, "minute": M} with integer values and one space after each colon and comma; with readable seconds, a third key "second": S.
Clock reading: {"hour": 1, "minute": 58}
